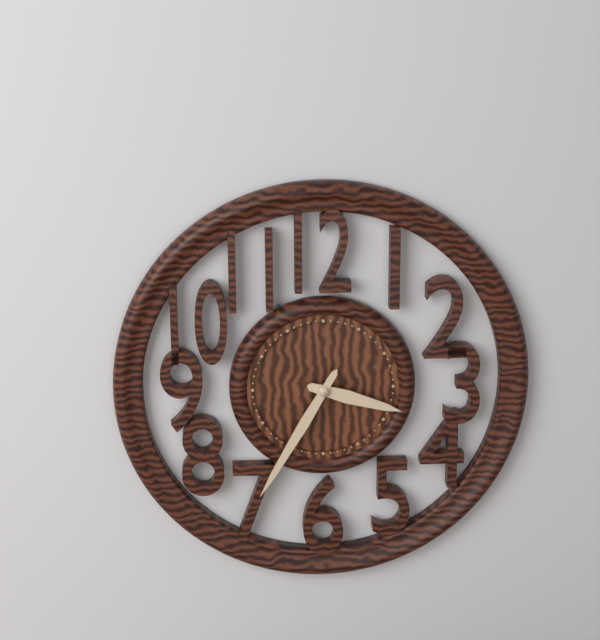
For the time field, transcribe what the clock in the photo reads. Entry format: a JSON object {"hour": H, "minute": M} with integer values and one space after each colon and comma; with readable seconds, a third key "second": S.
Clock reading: {"hour": 3, "minute": 35}
